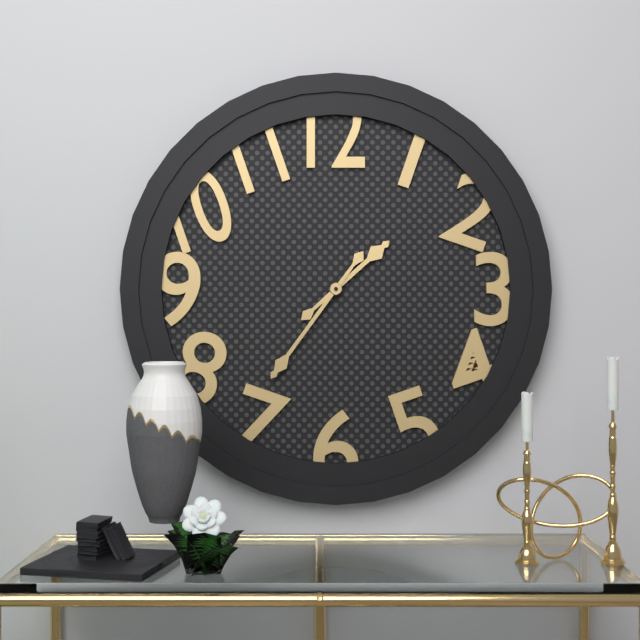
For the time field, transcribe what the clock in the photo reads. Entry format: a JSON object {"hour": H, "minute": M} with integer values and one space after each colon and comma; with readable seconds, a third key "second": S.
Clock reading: {"hour": 1, "minute": 36}
